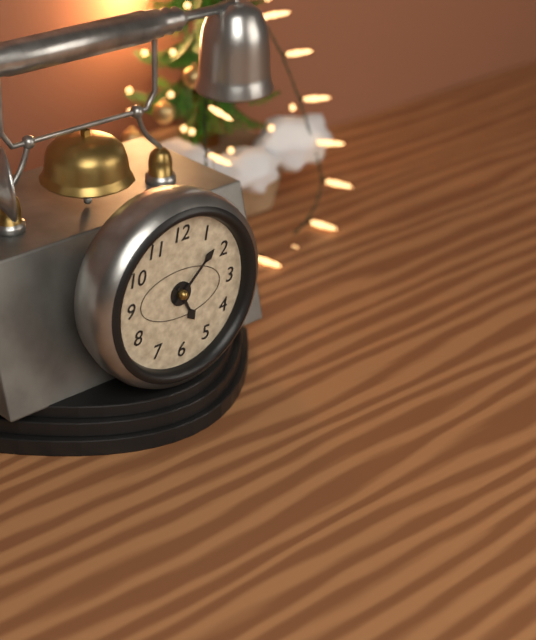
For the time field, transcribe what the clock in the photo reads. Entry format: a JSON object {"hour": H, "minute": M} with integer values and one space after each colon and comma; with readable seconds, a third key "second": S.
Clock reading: {"hour": 5, "minute": 8}
